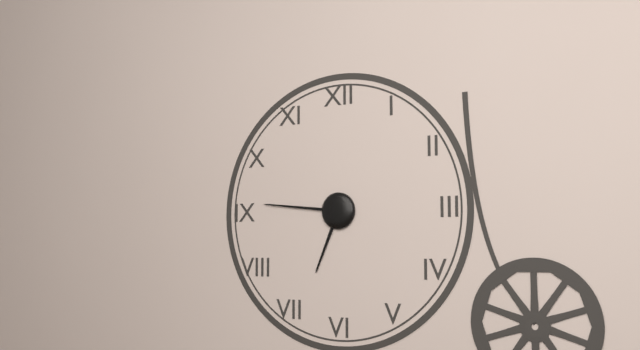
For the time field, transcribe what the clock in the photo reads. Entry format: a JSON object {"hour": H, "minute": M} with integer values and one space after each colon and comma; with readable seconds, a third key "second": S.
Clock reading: {"hour": 6, "minute": 46}
